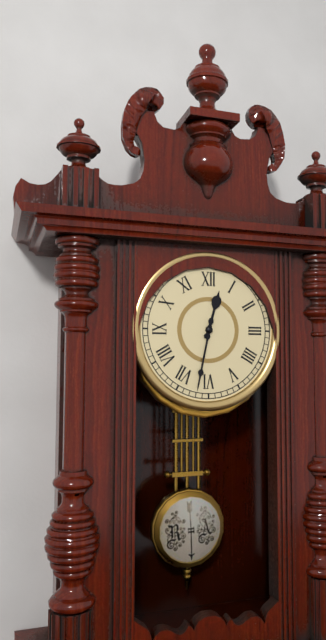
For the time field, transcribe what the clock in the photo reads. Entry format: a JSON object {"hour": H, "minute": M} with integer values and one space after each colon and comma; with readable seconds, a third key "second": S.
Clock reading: {"hour": 12, "minute": 32}
